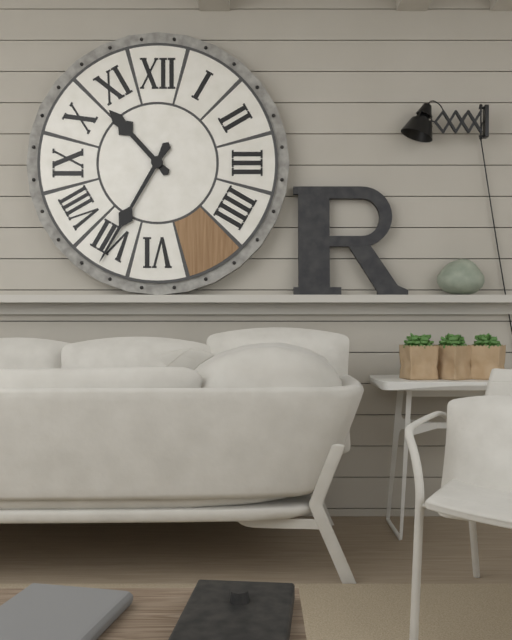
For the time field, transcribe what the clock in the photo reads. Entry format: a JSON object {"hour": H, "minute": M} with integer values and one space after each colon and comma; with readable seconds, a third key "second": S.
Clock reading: {"hour": 10, "minute": 35}
